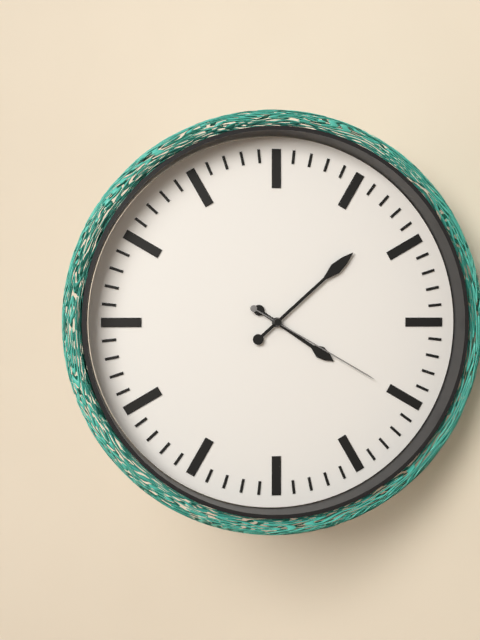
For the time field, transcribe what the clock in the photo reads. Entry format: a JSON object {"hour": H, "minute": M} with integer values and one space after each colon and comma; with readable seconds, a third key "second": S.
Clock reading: {"hour": 4, "minute": 8, "second": 20}
